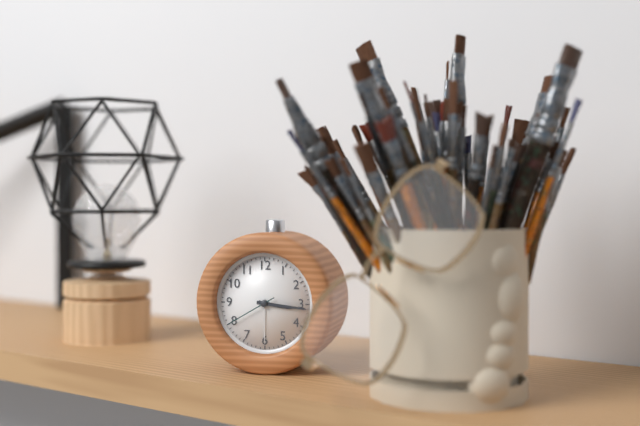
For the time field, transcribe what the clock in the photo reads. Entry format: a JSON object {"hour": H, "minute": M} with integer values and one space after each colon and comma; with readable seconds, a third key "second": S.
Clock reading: {"hour": 3, "minute": 16, "second": 40}
